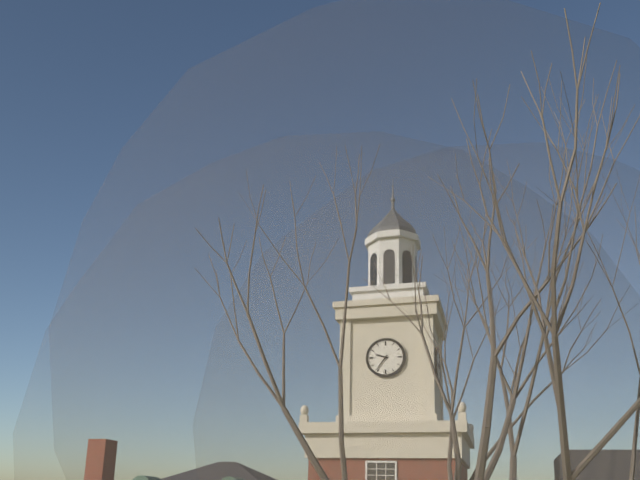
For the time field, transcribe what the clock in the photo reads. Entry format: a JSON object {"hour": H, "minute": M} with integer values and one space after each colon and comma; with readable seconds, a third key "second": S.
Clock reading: {"hour": 9, "minute": 36}
